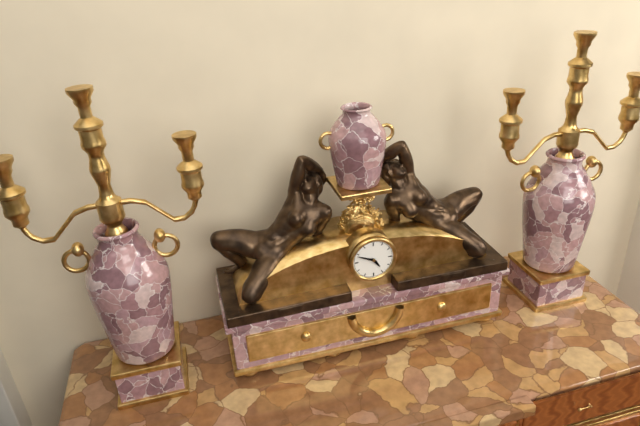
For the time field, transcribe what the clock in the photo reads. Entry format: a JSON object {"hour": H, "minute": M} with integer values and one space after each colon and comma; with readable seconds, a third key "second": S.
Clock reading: {"hour": 4, "minute": 49}
